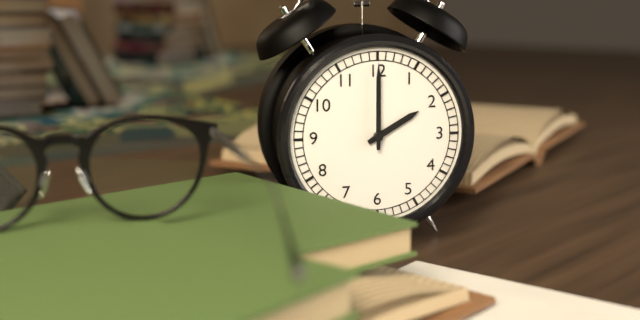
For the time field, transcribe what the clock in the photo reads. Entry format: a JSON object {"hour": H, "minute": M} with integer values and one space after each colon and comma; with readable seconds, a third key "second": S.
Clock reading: {"hour": 2, "minute": 0}
